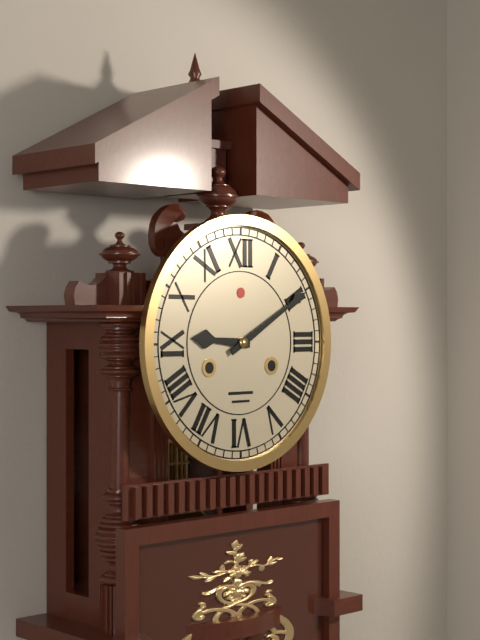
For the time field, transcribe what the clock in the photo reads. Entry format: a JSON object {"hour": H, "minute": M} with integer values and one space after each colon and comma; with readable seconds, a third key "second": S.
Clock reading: {"hour": 9, "minute": 10}
